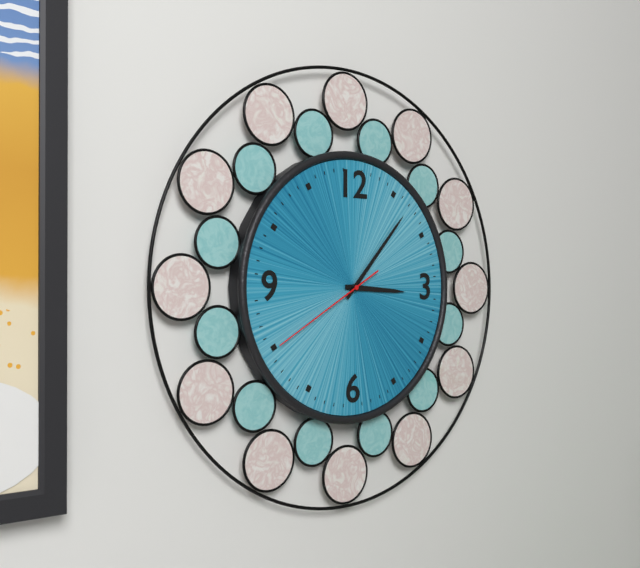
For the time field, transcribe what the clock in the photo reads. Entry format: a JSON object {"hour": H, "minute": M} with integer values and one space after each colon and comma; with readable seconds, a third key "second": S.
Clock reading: {"hour": 3, "minute": 7, "second": 40}
